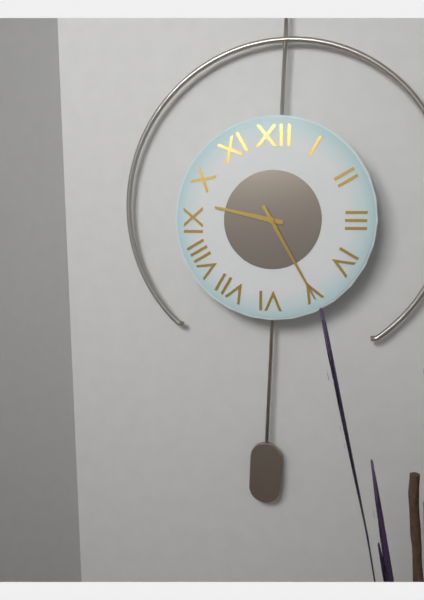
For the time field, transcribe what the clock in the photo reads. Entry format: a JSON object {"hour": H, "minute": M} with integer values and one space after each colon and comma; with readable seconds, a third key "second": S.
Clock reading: {"hour": 9, "minute": 25}
